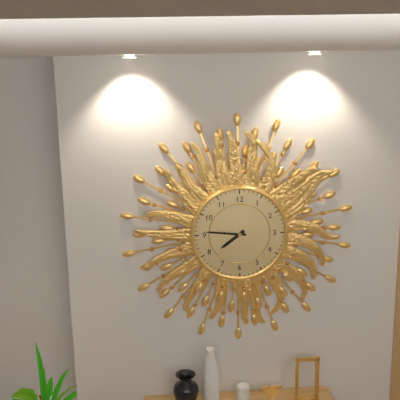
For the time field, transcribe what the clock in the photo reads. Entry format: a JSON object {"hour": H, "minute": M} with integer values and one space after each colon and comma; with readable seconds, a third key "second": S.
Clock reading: {"hour": 7, "minute": 46}
